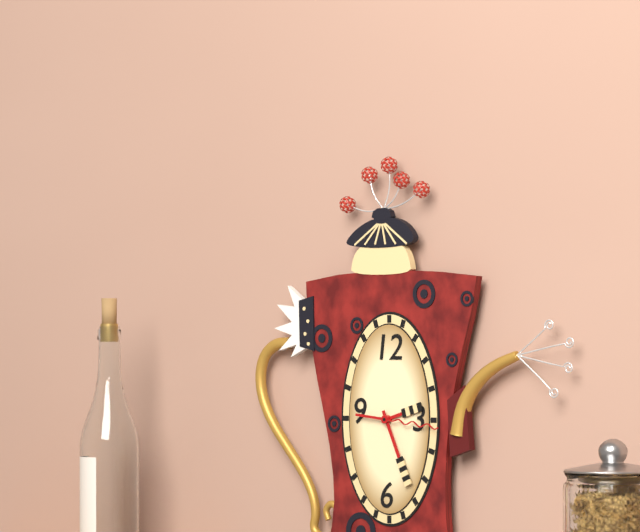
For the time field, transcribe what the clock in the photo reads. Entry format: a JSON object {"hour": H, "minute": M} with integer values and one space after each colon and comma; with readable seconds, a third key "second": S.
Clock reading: {"hour": 2, "minute": 26, "second": 16}
